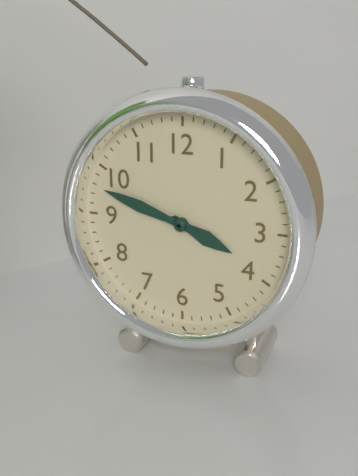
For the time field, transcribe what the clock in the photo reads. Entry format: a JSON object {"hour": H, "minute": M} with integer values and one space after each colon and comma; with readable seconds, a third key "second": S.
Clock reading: {"hour": 3, "minute": 48}
